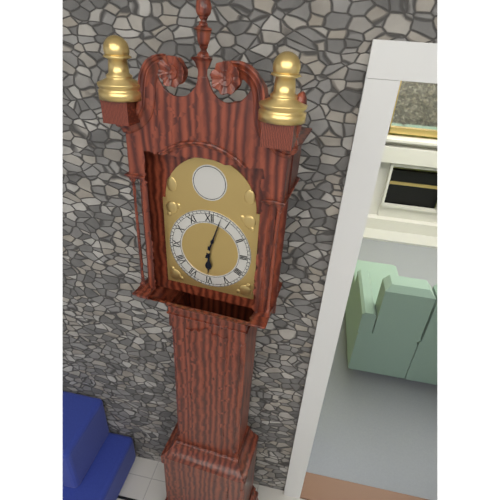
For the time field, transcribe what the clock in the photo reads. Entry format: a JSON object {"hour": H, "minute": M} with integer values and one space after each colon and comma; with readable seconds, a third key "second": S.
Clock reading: {"hour": 6, "minute": 3}
